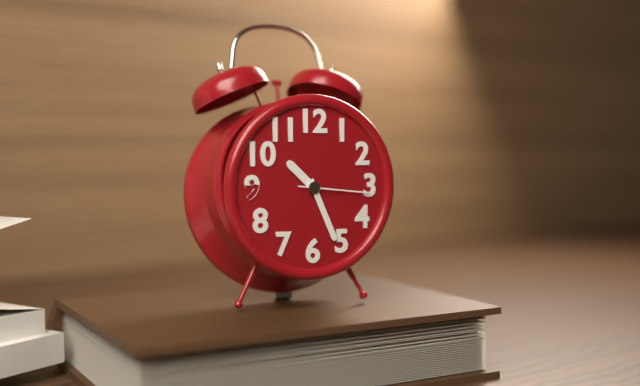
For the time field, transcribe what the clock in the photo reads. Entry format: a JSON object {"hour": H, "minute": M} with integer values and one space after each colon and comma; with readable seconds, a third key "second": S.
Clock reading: {"hour": 10, "minute": 26, "second": 16}
